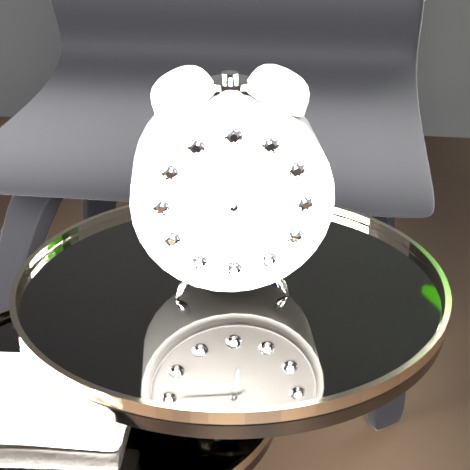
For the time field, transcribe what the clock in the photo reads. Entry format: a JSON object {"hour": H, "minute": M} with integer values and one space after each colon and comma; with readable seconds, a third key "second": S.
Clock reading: {"hour": 5, "minute": 45, "second": 49}
